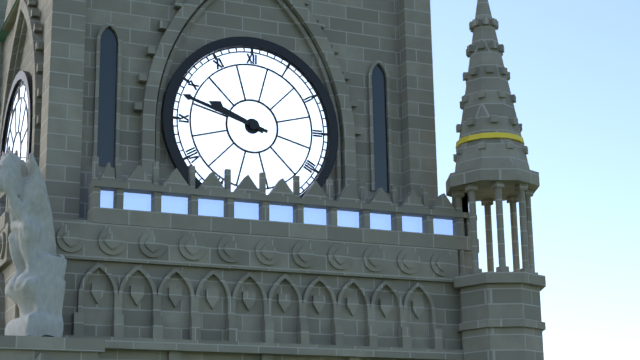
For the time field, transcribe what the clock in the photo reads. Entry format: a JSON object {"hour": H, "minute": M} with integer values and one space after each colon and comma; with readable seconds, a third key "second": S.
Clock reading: {"hour": 9, "minute": 48}
